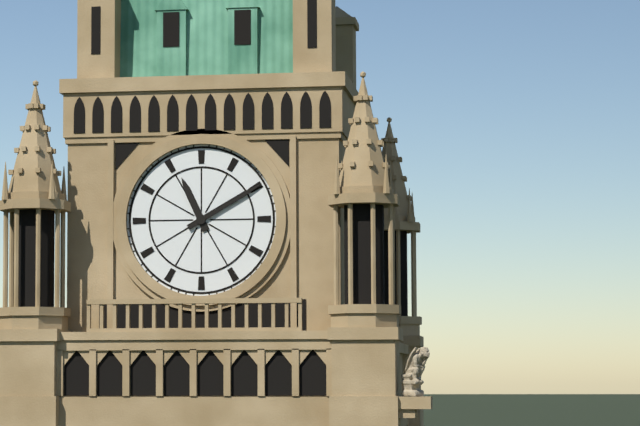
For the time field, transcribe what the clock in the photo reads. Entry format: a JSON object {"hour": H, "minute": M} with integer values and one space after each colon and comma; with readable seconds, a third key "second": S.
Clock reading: {"hour": 11, "minute": 10}
